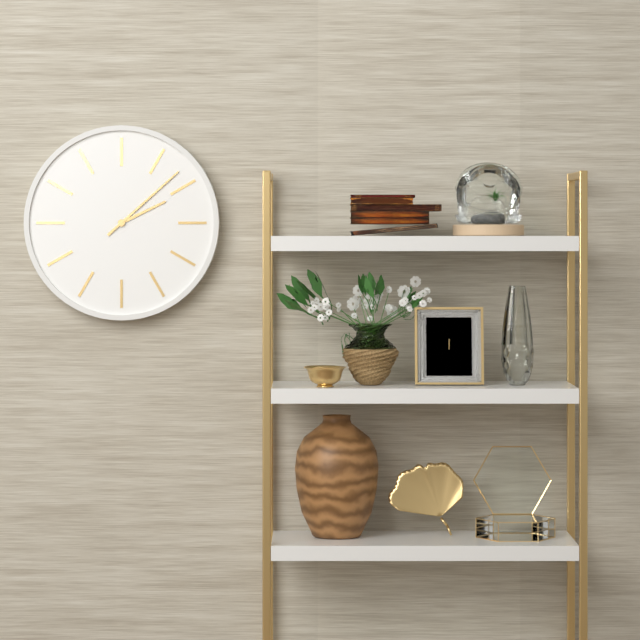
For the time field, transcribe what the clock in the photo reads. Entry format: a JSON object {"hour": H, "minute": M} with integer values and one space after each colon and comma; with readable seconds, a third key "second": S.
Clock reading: {"hour": 2, "minute": 8}
